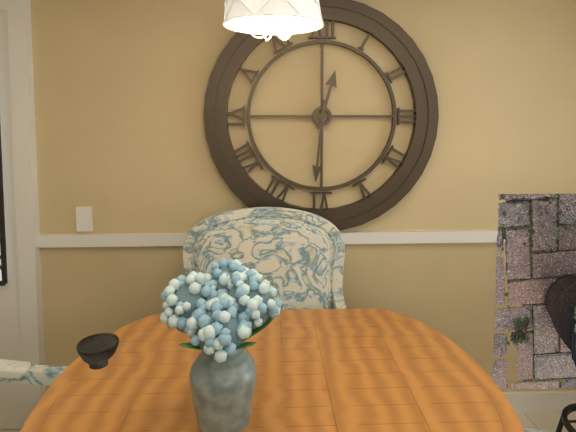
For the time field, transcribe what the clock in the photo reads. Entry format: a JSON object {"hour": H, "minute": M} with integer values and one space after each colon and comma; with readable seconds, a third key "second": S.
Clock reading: {"hour": 12, "minute": 31}
